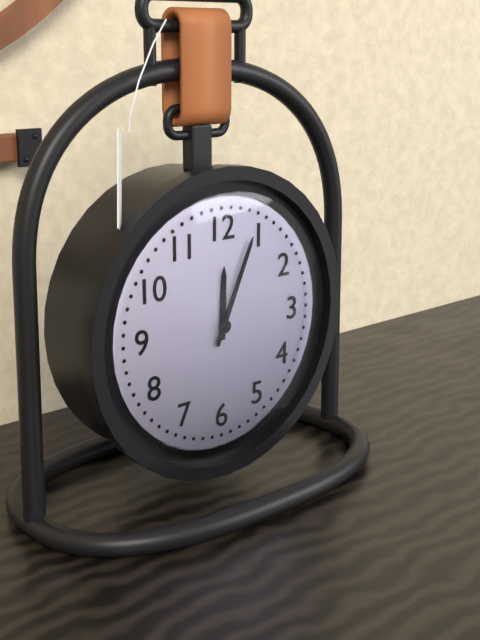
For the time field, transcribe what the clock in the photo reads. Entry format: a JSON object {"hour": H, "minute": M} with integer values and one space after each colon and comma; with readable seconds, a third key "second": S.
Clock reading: {"hour": 12, "minute": 4}
